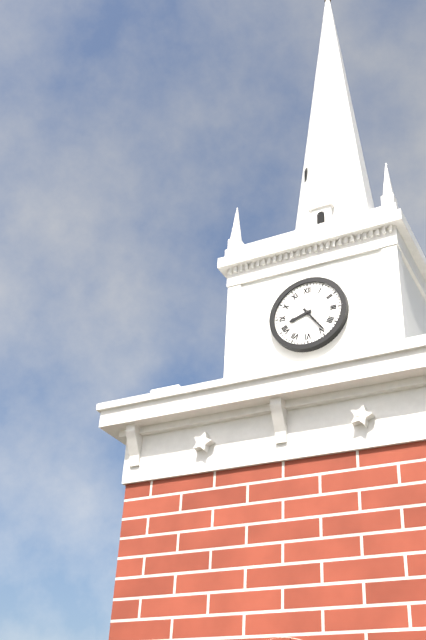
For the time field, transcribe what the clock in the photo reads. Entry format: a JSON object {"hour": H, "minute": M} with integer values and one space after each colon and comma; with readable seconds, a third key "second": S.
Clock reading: {"hour": 8, "minute": 24}
